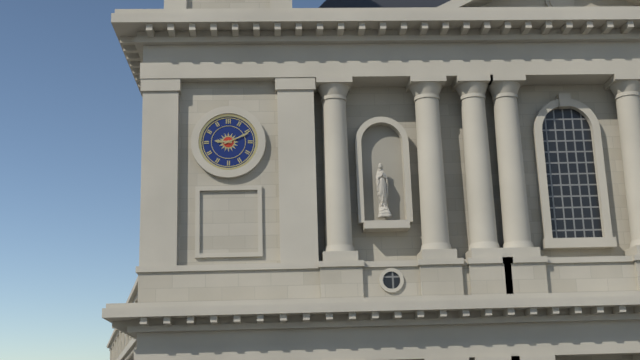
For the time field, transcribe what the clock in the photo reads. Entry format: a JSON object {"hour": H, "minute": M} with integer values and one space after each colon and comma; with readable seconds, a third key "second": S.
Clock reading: {"hour": 9, "minute": 11}
